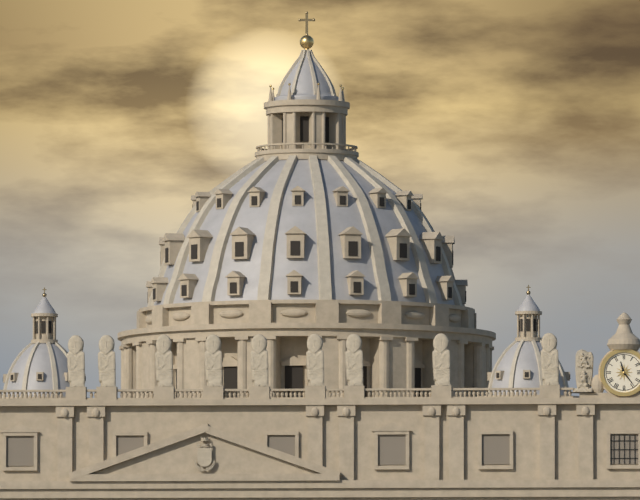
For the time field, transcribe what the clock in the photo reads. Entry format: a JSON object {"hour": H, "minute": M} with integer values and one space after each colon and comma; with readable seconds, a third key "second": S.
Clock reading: {"hour": 11, "minute": 24}
